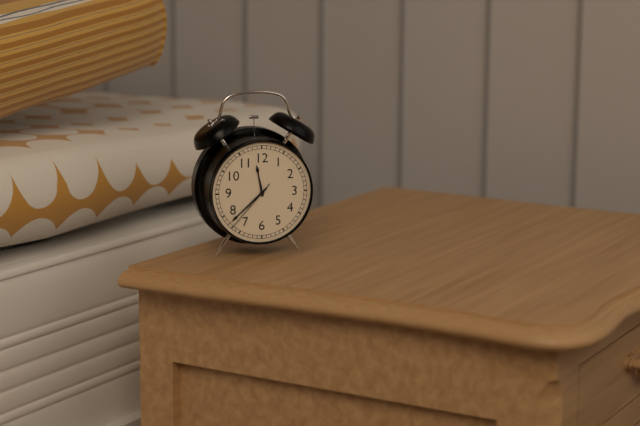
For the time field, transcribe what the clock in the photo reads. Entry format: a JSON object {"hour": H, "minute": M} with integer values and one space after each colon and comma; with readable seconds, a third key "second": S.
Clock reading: {"hour": 11, "minute": 38, "second": 37}
